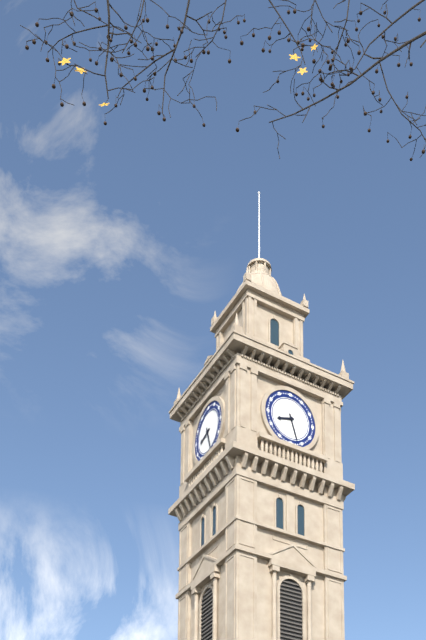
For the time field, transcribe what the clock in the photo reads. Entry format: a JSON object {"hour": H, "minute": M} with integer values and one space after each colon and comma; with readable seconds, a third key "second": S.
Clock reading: {"hour": 8, "minute": 27}
